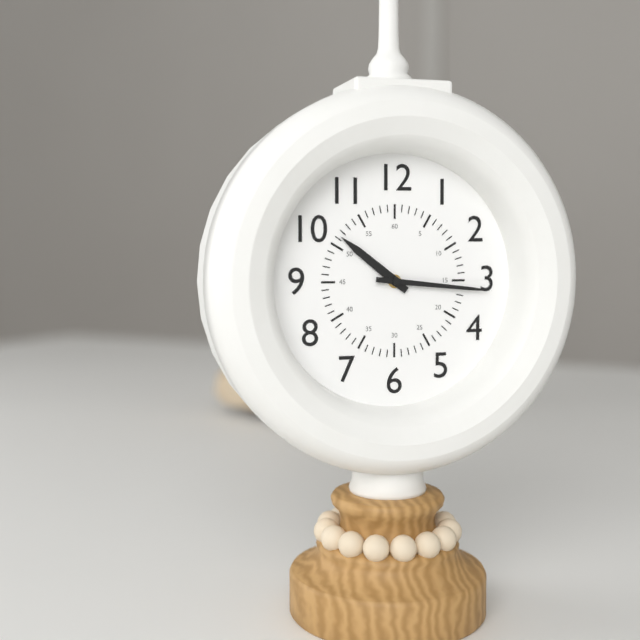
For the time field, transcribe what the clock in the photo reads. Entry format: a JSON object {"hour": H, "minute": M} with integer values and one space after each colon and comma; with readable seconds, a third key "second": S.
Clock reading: {"hour": 10, "minute": 16}
